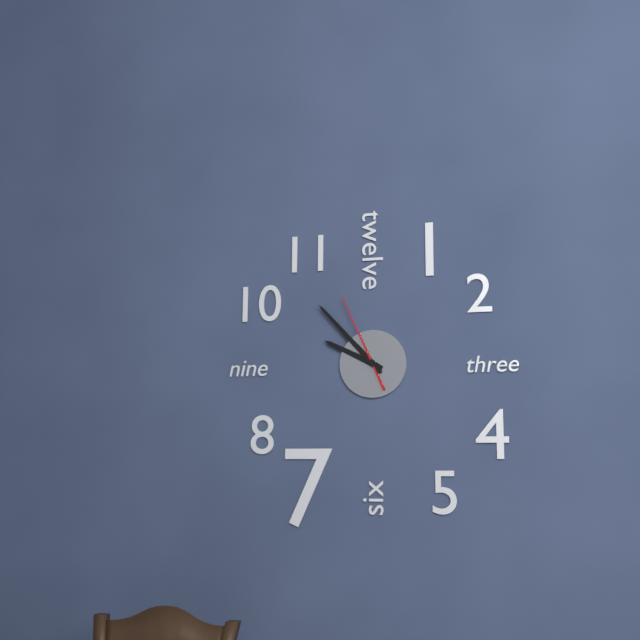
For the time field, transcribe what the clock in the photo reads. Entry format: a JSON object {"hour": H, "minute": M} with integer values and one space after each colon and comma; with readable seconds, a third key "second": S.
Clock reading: {"hour": 9, "minute": 53, "second": 56}
